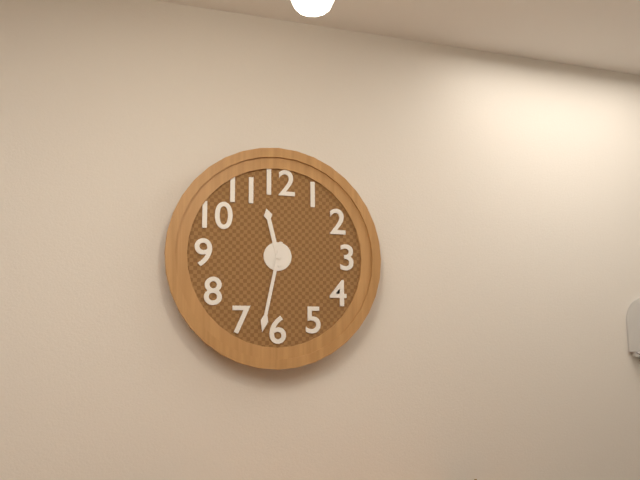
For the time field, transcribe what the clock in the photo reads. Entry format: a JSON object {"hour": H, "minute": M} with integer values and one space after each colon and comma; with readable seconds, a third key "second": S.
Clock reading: {"hour": 11, "minute": 32}
